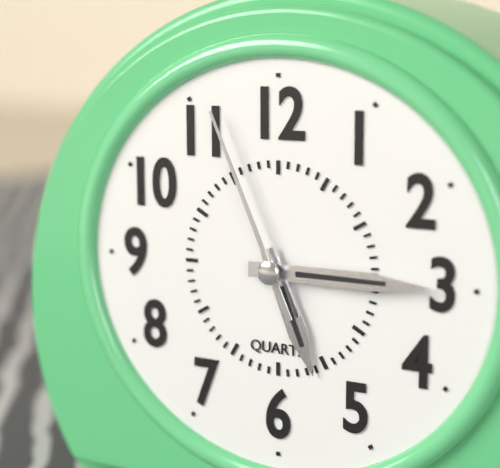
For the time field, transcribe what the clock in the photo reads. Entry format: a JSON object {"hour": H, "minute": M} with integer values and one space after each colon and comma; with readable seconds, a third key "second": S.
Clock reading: {"hour": 5, "minute": 15, "second": 56}
